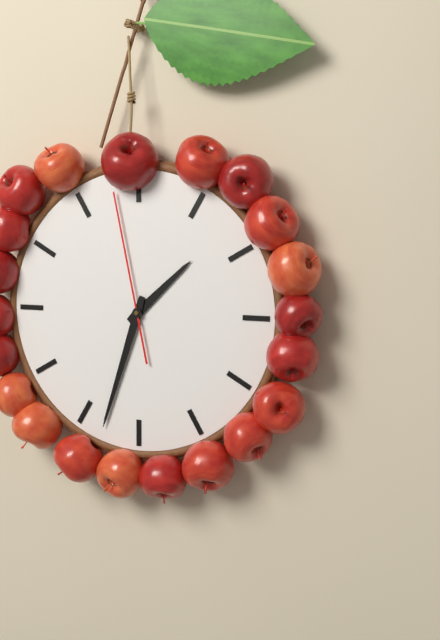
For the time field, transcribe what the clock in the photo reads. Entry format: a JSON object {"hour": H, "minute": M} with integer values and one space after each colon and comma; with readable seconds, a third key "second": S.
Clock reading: {"hour": 1, "minute": 33, "second": 58}
